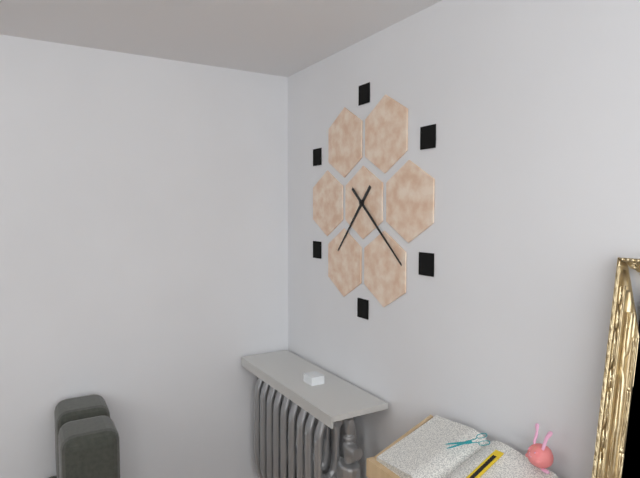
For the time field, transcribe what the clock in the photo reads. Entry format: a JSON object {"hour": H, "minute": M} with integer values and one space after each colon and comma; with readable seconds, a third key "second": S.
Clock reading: {"hour": 7, "minute": 22}
